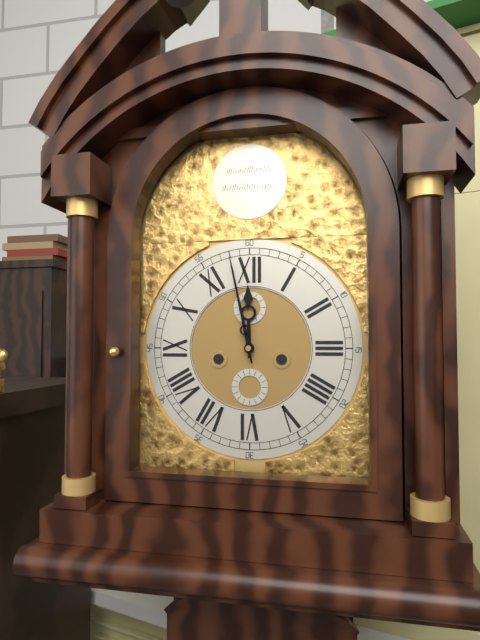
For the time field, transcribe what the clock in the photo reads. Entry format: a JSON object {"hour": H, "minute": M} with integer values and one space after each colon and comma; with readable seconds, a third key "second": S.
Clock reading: {"hour": 11, "minute": 58}
